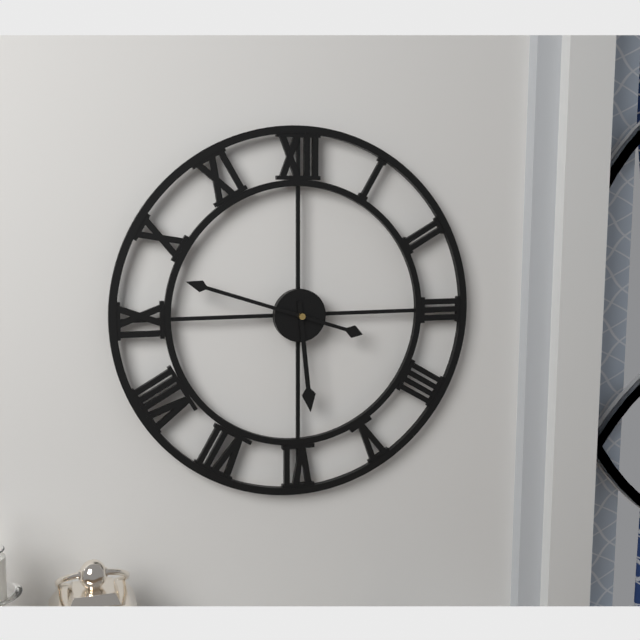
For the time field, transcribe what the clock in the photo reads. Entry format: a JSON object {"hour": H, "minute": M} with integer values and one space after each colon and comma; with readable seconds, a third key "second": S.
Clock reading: {"hour": 5, "minute": 48}
